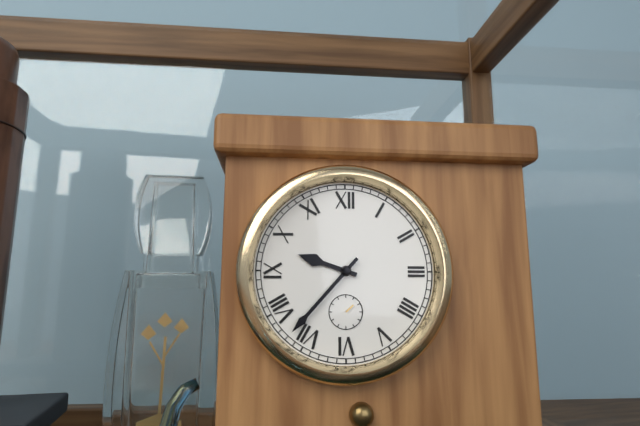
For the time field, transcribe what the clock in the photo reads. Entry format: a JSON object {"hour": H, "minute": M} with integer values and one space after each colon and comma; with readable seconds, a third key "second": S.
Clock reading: {"hour": 9, "minute": 37}
